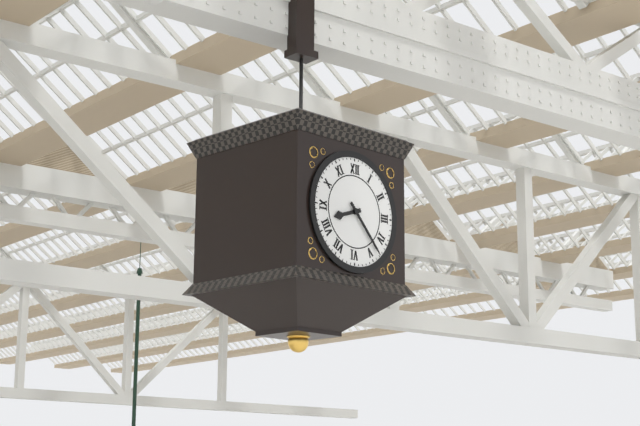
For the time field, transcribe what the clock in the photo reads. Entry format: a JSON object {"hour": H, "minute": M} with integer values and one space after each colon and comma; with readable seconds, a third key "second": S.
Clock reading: {"hour": 8, "minute": 23}
